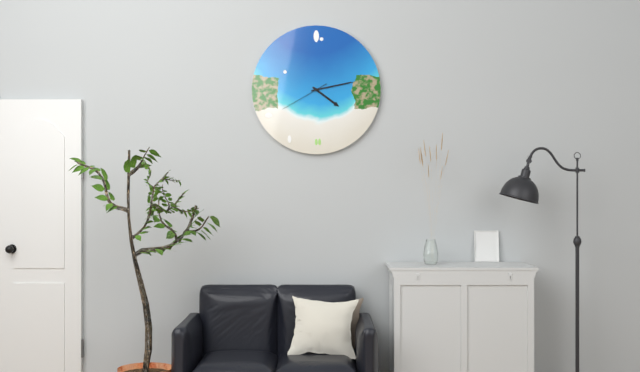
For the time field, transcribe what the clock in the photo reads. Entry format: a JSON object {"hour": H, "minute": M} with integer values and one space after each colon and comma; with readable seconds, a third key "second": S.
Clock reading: {"hour": 4, "minute": 13}
